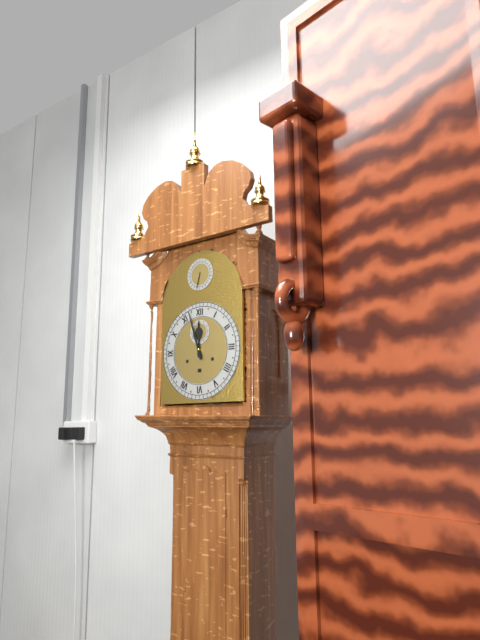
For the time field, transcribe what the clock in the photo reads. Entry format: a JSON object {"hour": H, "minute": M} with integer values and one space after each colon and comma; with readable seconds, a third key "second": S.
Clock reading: {"hour": 11, "minute": 57}
